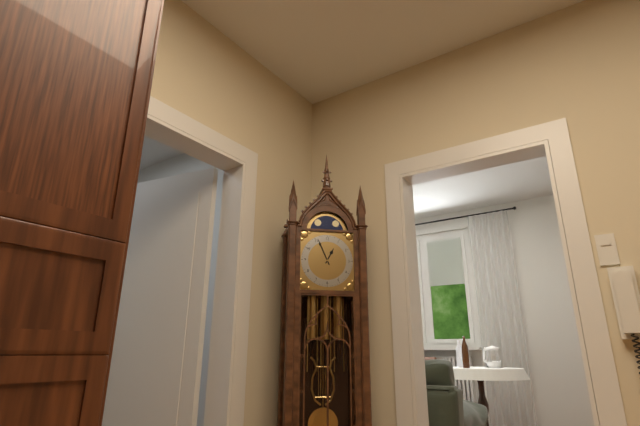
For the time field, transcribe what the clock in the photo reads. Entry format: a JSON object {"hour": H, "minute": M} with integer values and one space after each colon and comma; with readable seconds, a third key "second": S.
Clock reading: {"hour": 12, "minute": 56}
